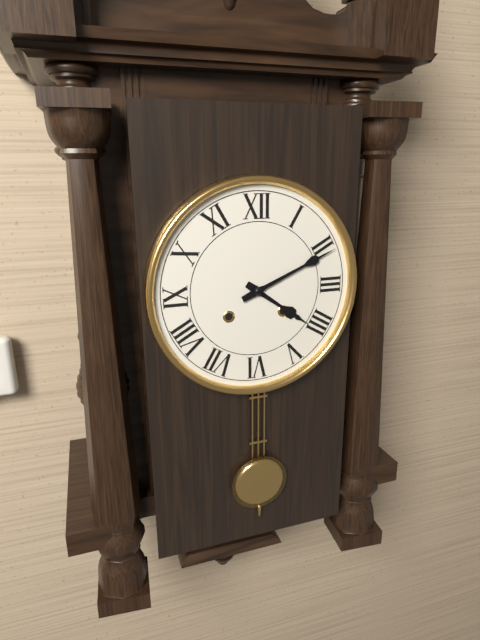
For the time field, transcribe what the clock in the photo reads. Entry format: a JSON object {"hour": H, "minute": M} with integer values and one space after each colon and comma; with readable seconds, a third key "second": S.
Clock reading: {"hour": 4, "minute": 11}
